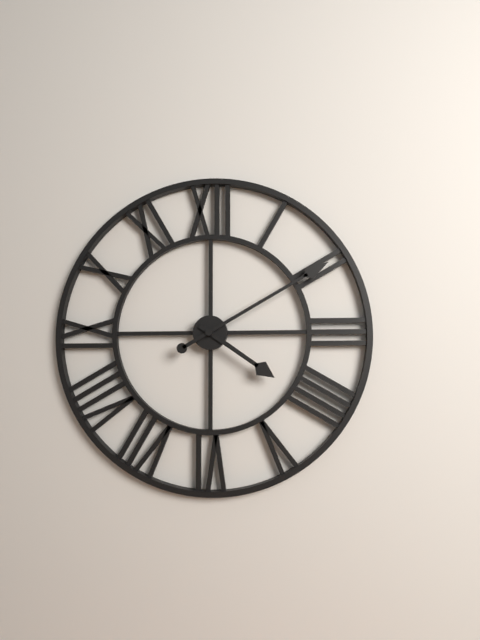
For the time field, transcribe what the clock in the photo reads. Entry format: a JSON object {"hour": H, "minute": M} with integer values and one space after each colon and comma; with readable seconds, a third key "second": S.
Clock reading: {"hour": 4, "minute": 10}
